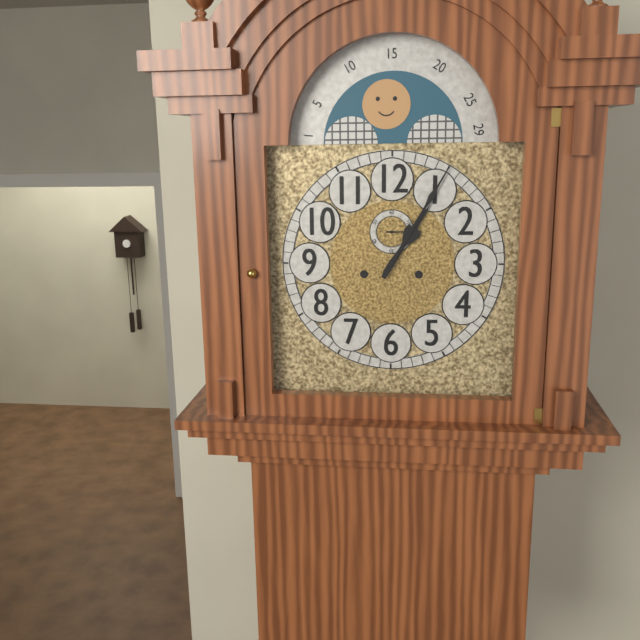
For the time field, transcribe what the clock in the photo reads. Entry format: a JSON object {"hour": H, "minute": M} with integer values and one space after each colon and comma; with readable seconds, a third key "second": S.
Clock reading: {"hour": 1, "minute": 5}
